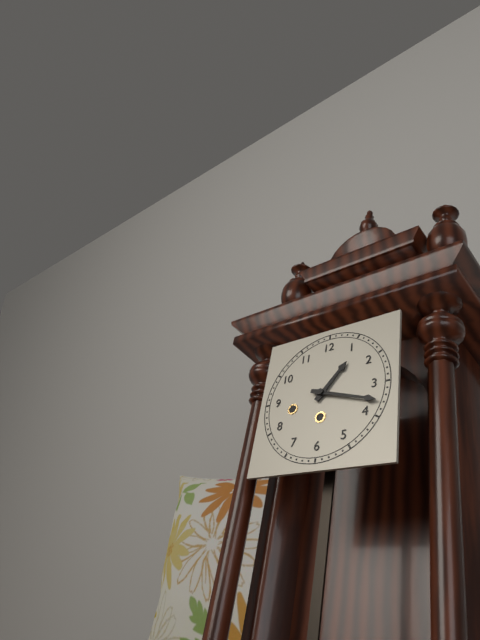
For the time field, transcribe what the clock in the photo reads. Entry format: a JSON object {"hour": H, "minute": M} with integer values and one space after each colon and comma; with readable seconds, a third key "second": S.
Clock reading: {"hour": 1, "minute": 18}
